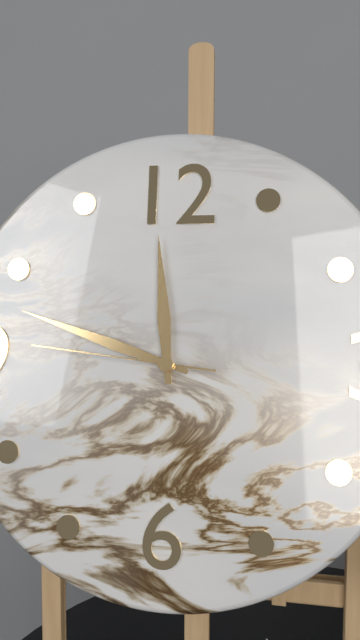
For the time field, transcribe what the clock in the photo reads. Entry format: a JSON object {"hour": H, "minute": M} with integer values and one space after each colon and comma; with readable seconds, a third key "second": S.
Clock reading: {"hour": 11, "minute": 48, "second": 46}
